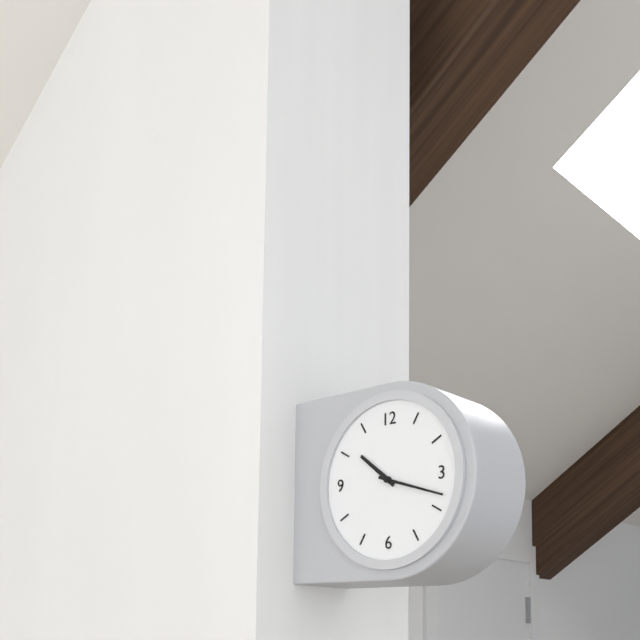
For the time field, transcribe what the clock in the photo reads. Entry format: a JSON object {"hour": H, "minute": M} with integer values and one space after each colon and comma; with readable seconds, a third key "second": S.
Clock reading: {"hour": 10, "minute": 18}
